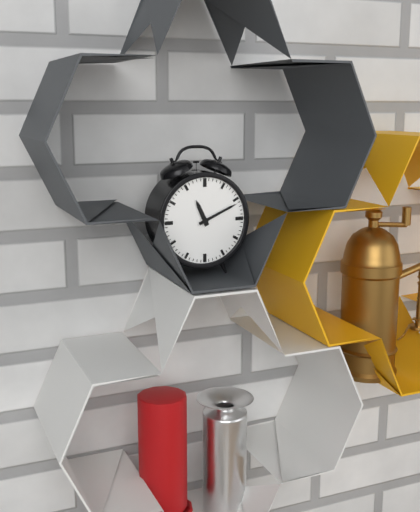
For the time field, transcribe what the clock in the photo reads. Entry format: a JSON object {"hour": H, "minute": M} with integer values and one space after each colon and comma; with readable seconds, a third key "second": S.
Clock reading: {"hour": 11, "minute": 11}
